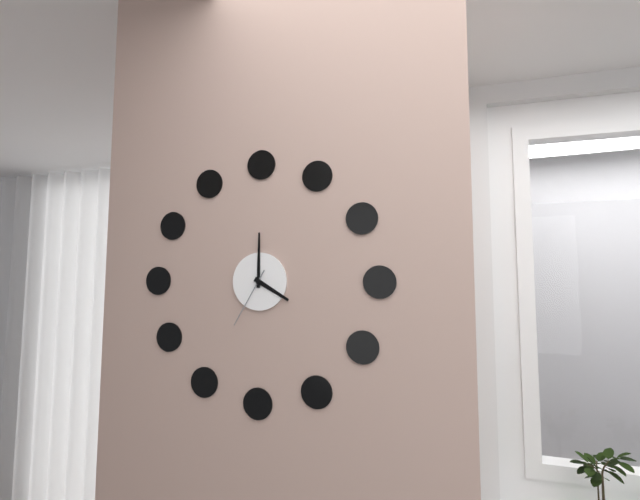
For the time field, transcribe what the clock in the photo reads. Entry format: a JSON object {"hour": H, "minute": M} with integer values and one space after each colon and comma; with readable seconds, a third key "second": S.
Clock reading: {"hour": 4, "minute": 0, "second": 35}
